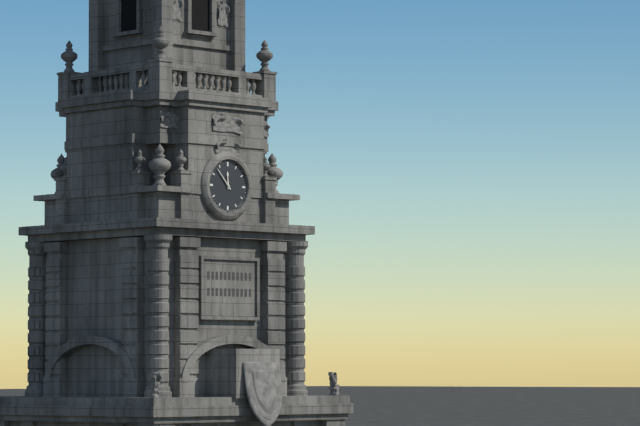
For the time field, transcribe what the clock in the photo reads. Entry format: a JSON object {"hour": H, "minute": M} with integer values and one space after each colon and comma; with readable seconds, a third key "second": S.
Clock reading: {"hour": 11, "minute": 53}
